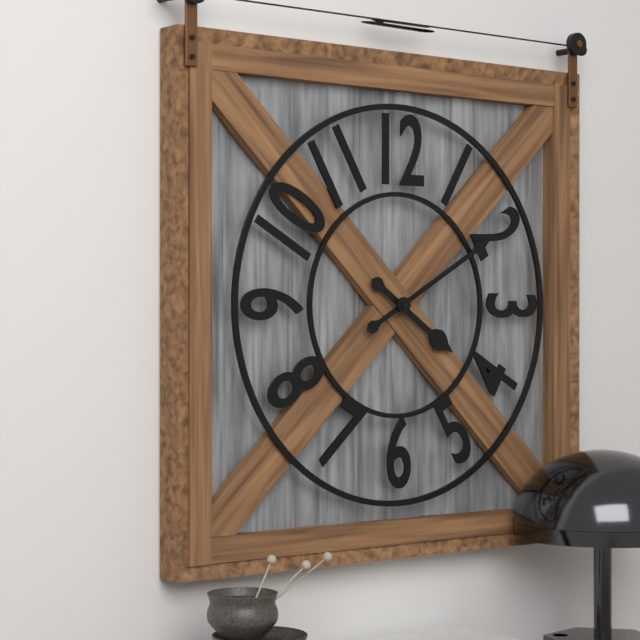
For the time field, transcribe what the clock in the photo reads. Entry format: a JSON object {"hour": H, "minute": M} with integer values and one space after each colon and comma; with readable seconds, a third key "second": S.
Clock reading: {"hour": 4, "minute": 10}
